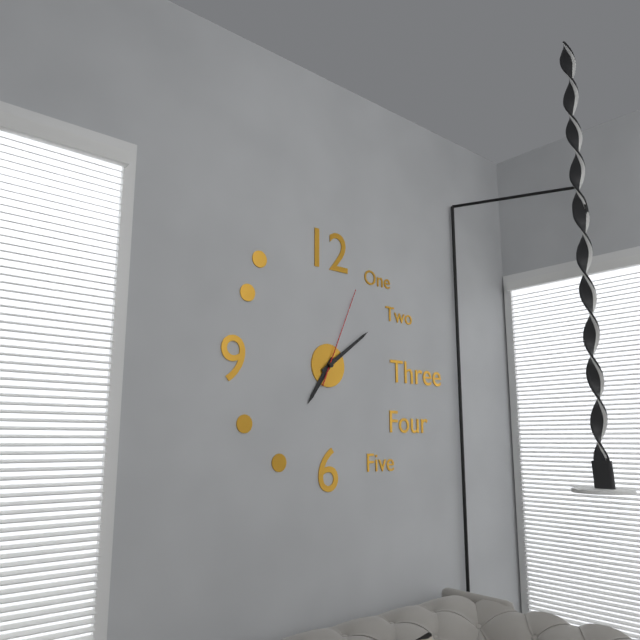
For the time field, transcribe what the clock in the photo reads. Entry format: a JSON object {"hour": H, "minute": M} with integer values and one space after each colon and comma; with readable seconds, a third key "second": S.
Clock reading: {"hour": 7, "minute": 9, "second": 4}
